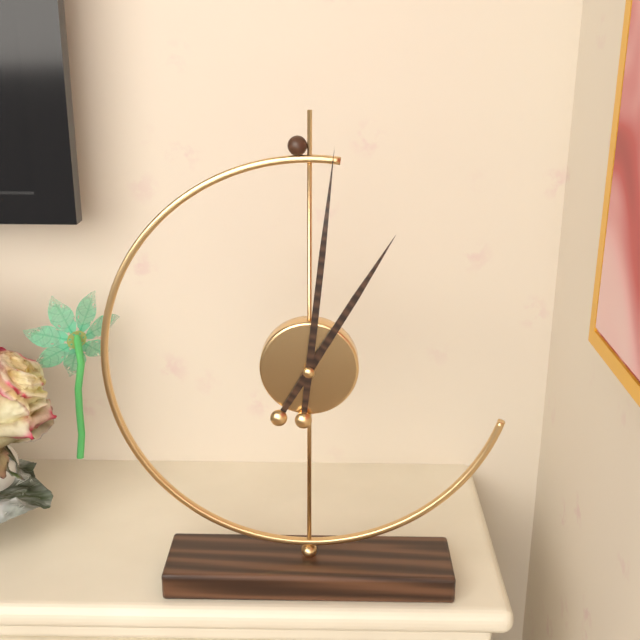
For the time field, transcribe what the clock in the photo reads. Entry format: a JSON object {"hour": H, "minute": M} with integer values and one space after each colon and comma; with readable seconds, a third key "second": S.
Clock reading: {"hour": 1, "minute": 1}
